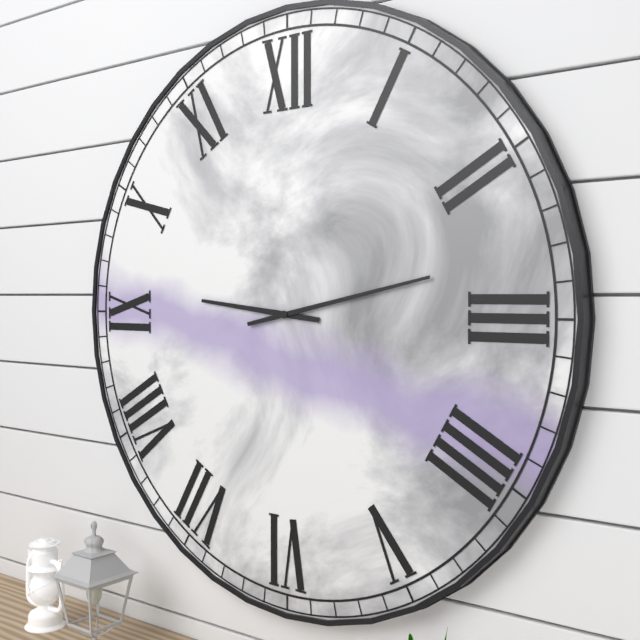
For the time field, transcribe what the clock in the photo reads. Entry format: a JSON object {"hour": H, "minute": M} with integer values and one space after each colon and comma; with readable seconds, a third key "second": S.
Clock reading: {"hour": 9, "minute": 13}
